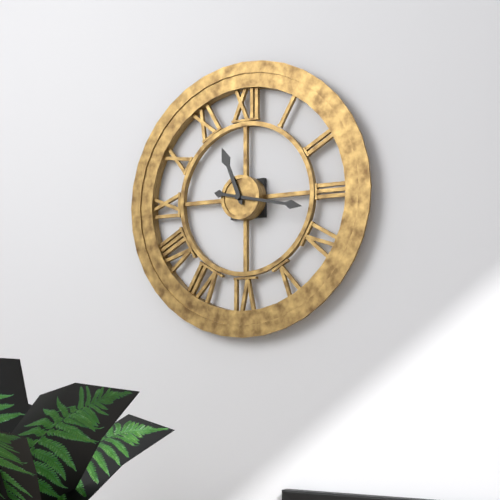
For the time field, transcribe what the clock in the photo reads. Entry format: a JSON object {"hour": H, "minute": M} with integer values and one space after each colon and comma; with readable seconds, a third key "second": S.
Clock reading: {"hour": 11, "minute": 17}
